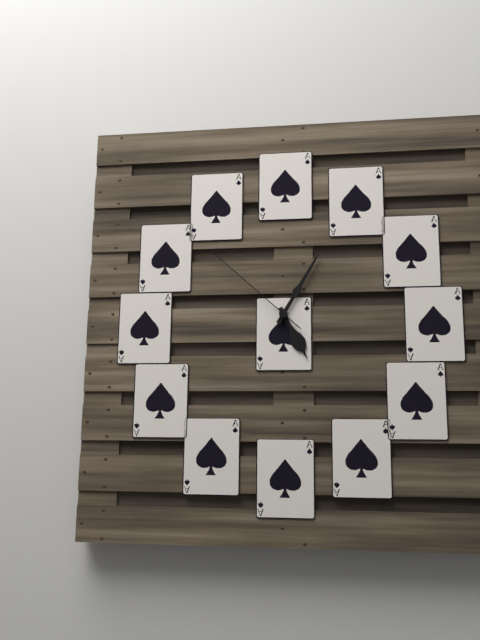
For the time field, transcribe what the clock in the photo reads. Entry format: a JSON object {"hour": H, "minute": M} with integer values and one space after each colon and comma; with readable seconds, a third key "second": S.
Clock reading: {"hour": 5, "minute": 5, "second": 52}
